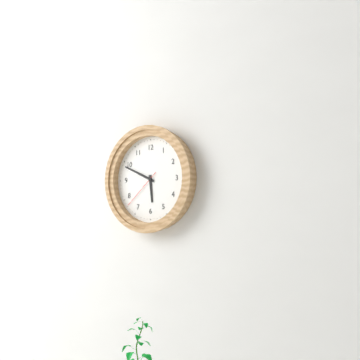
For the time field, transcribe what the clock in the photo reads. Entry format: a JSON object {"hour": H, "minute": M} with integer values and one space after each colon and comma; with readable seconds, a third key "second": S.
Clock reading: {"hour": 5, "minute": 49}
